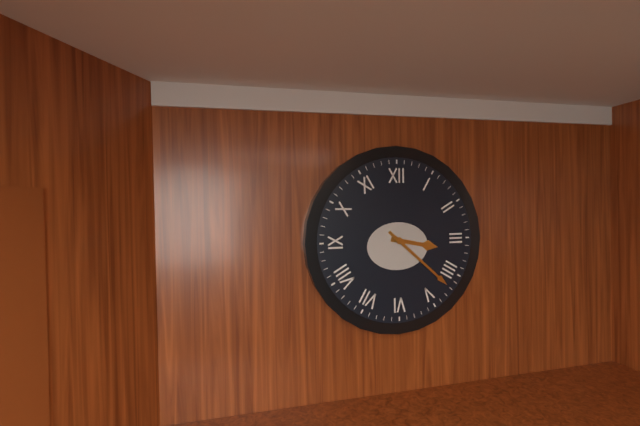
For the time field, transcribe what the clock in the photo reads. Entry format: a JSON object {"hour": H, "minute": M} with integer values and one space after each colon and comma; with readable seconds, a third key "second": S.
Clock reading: {"hour": 3, "minute": 22}
